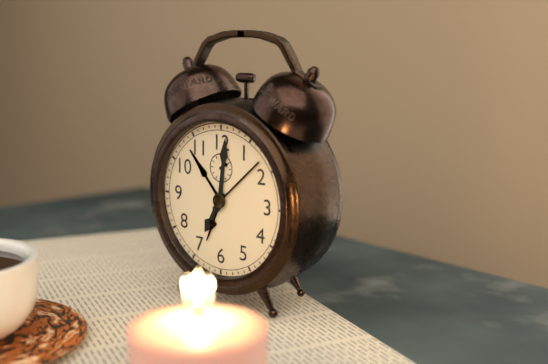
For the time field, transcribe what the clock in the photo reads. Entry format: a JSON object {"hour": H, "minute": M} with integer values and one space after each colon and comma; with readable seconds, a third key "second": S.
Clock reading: {"hour": 7, "minute": 1}
